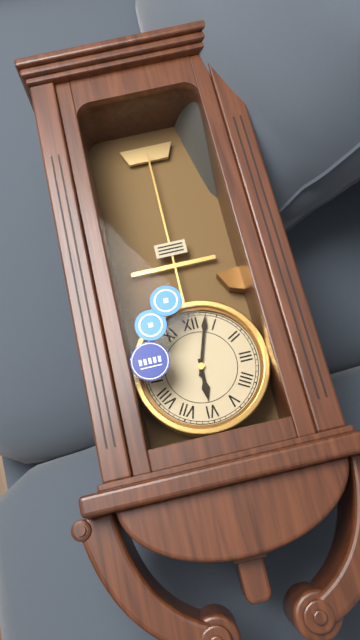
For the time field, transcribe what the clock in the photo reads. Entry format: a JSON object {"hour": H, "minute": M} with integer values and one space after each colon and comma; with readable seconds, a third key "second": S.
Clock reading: {"hour": 6, "minute": 3}
